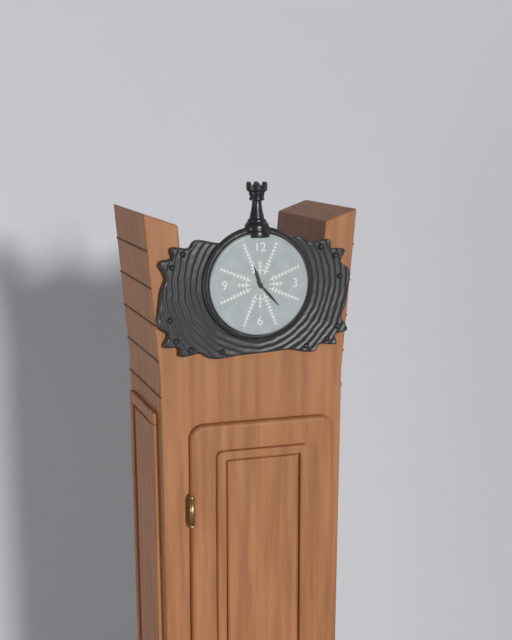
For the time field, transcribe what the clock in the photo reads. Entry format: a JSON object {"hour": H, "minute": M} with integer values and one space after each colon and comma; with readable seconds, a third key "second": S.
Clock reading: {"hour": 11, "minute": 23}
